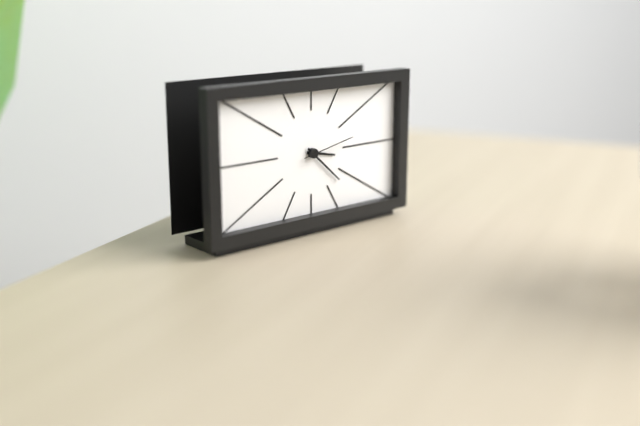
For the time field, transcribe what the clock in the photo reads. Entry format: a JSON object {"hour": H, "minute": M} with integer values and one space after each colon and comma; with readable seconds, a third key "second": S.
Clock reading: {"hour": 3, "minute": 22, "second": 13}
